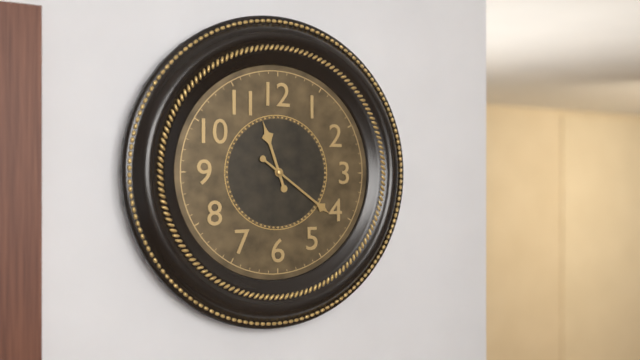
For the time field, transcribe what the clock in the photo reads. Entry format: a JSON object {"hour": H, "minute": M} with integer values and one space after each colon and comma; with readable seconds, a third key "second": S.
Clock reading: {"hour": 11, "minute": 21}
